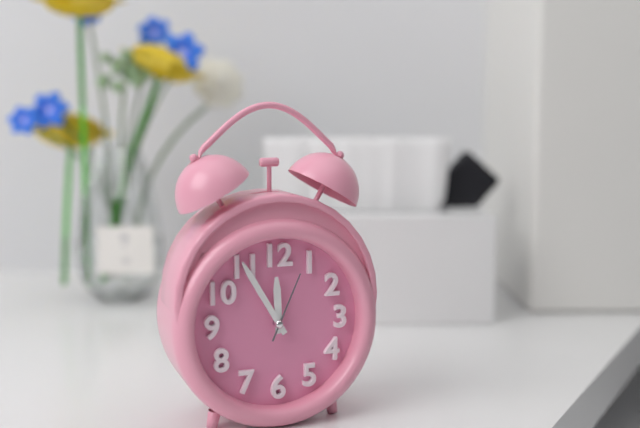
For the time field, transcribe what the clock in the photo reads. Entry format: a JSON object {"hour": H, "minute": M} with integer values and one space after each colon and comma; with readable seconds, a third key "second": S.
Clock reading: {"hour": 11, "minute": 55, "second": 4}
